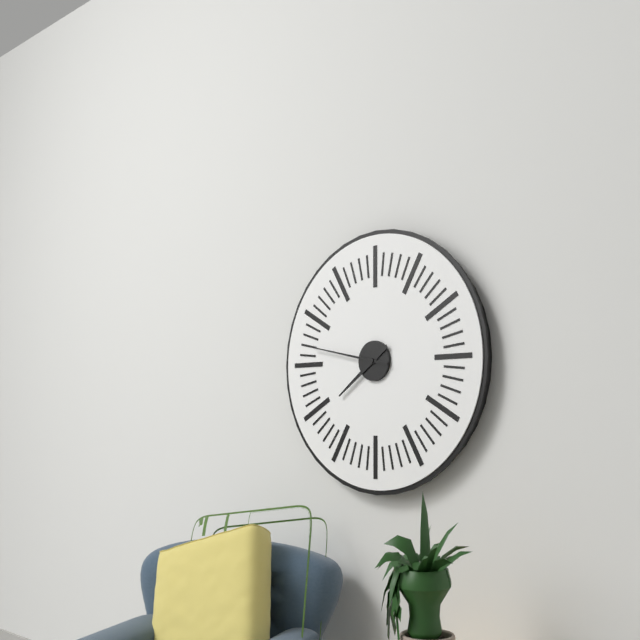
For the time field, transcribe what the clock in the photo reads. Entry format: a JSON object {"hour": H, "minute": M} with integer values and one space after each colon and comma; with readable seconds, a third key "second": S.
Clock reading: {"hour": 7, "minute": 47}
